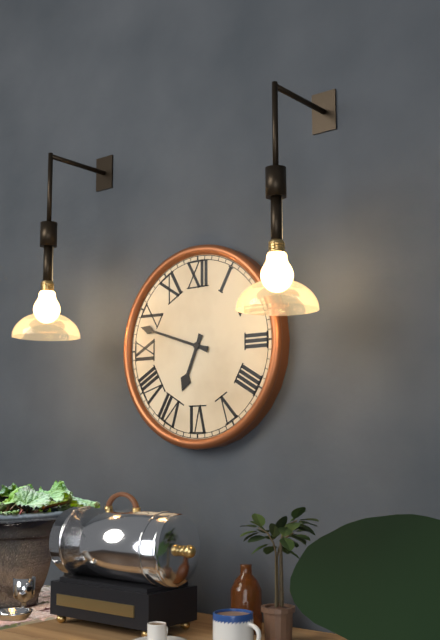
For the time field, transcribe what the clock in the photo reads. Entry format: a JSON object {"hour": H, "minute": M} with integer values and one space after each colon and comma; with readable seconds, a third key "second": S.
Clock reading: {"hour": 6, "minute": 48}
